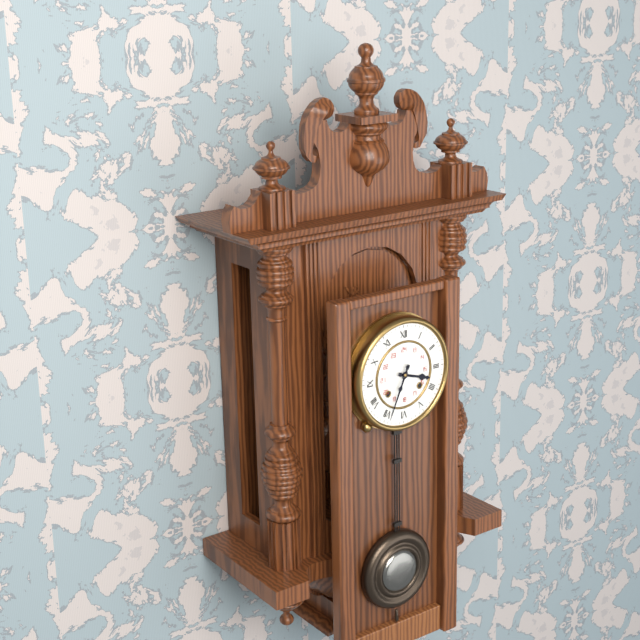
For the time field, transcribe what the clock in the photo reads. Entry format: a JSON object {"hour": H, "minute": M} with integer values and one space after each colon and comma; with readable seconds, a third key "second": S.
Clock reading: {"hour": 3, "minute": 34}
